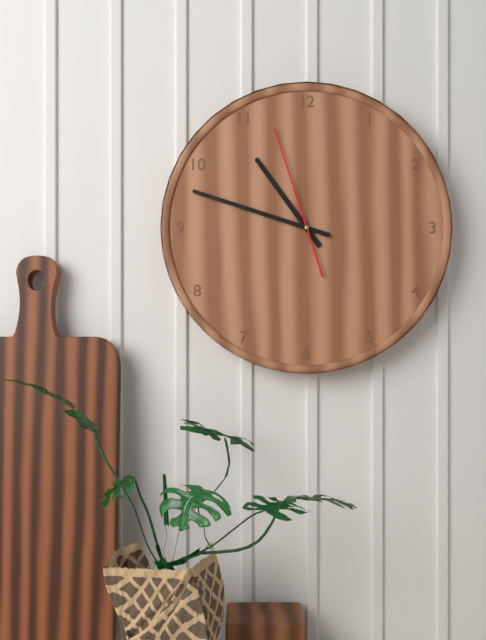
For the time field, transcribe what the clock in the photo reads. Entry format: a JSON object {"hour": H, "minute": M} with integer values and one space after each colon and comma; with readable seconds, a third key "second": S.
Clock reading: {"hour": 10, "minute": 48, "second": 57}
